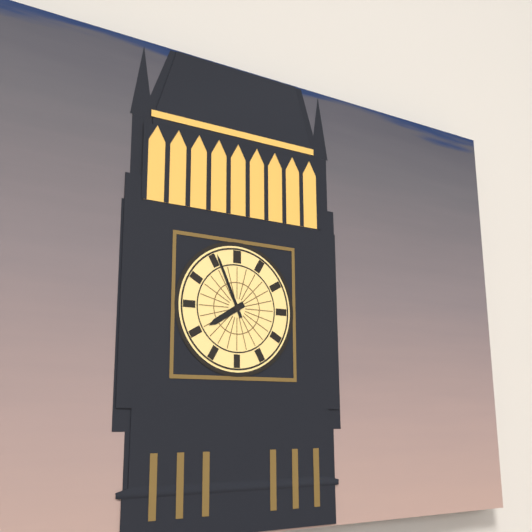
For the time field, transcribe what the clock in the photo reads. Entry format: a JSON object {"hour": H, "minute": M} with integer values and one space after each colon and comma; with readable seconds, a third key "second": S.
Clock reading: {"hour": 7, "minute": 56}
